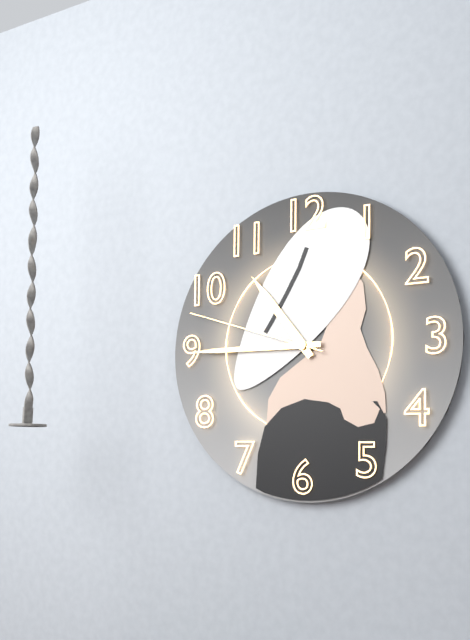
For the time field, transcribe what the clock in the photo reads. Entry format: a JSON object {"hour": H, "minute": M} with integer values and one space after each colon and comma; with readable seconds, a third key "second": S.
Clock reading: {"hour": 10, "minute": 45, "second": 48}
